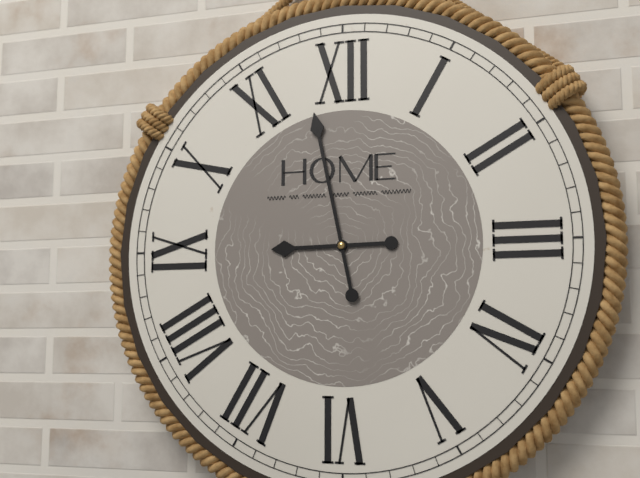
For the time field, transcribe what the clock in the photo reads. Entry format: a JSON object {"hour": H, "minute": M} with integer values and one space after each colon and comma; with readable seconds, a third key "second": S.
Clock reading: {"hour": 8, "minute": 58}
